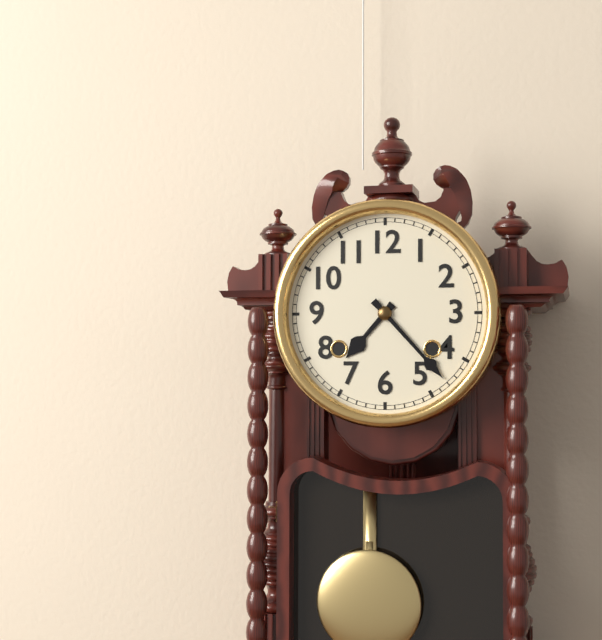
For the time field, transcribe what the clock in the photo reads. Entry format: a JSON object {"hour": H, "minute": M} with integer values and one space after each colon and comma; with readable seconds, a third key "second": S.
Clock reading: {"hour": 7, "minute": 23}
